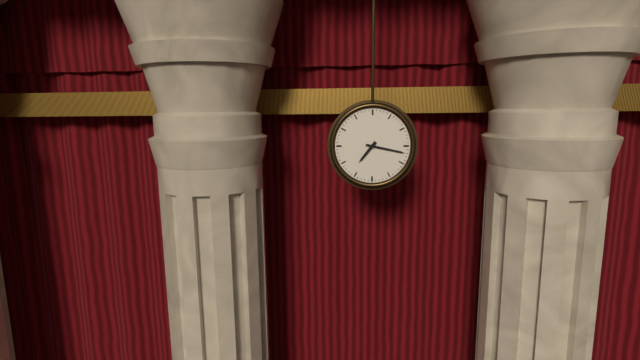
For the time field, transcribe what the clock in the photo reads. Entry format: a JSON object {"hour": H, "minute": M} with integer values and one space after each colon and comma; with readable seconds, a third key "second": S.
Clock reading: {"hour": 7, "minute": 17}
